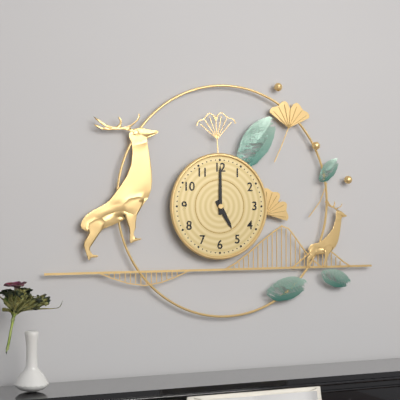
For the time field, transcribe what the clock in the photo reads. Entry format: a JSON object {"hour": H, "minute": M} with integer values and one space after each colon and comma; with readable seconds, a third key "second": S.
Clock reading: {"hour": 5, "minute": 0}
